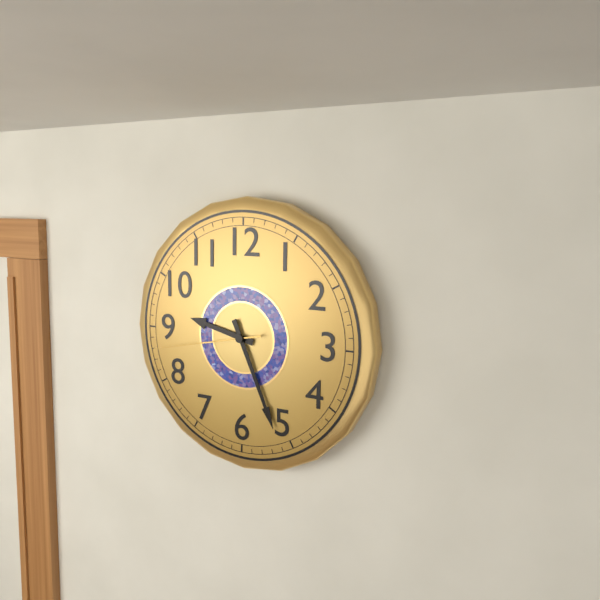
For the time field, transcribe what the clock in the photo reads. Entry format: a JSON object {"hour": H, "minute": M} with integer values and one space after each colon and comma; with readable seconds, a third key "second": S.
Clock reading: {"hour": 9, "minute": 26, "second": 43}
